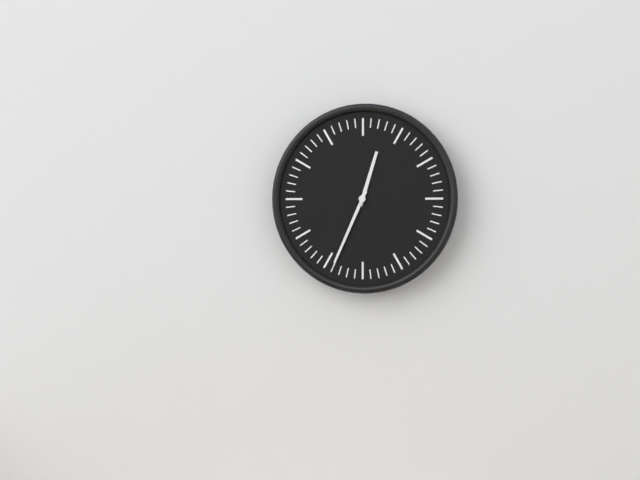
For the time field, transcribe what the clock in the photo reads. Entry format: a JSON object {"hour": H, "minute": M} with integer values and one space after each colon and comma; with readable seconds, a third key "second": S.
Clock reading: {"hour": 12, "minute": 34}
